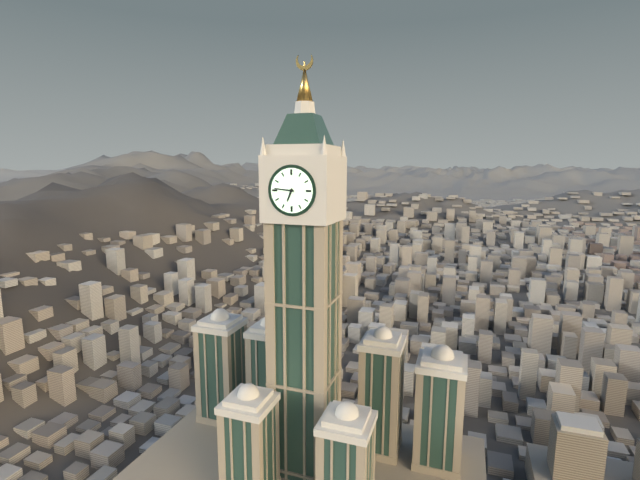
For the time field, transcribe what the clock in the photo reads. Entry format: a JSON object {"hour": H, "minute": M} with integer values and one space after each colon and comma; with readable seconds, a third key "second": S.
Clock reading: {"hour": 6, "minute": 46}
